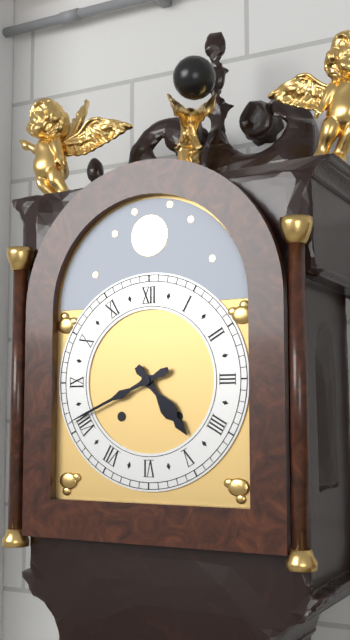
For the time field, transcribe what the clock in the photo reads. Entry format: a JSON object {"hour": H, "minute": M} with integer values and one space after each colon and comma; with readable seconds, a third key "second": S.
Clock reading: {"hour": 4, "minute": 41}
